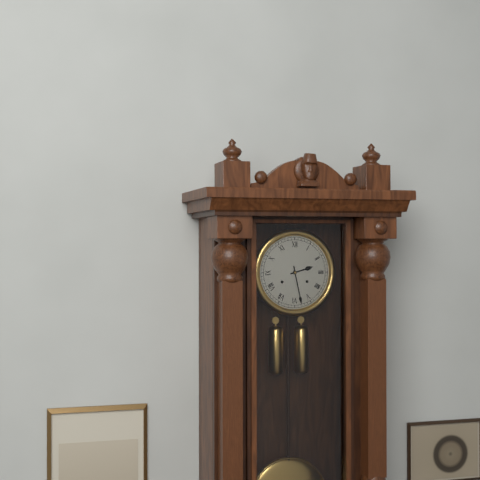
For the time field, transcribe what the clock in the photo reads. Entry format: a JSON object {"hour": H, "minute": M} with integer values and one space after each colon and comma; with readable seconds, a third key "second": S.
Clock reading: {"hour": 2, "minute": 28}
